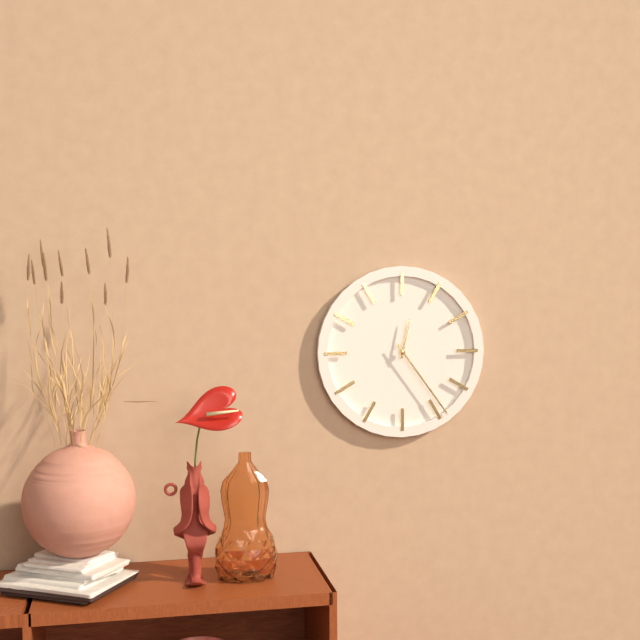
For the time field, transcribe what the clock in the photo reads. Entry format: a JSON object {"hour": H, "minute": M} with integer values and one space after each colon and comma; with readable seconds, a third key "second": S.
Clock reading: {"hour": 12, "minute": 24}
